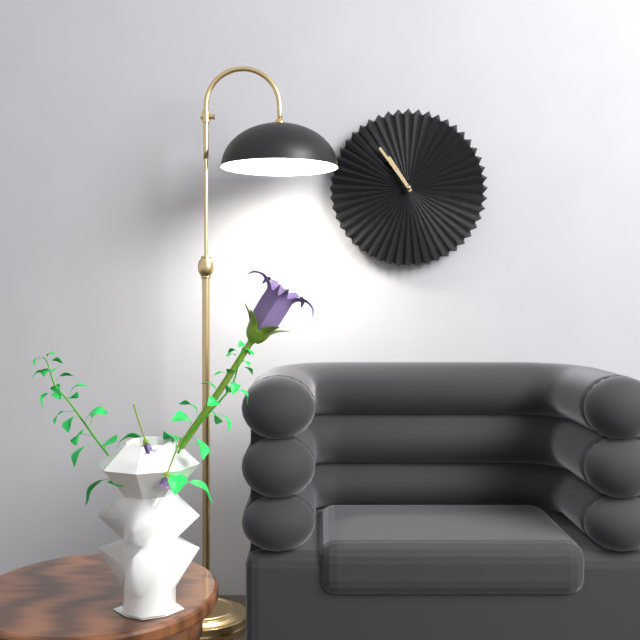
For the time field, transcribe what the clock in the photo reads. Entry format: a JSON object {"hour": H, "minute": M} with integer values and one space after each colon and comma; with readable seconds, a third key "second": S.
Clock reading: {"hour": 10, "minute": 54}
